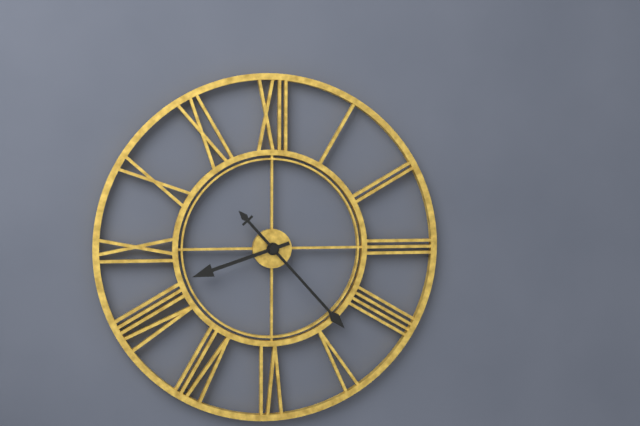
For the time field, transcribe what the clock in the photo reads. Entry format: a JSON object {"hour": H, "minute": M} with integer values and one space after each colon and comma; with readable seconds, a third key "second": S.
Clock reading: {"hour": 8, "minute": 23}
